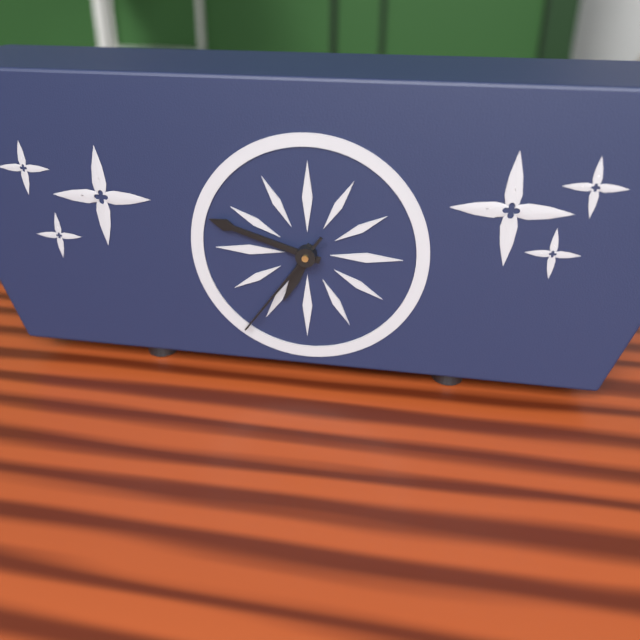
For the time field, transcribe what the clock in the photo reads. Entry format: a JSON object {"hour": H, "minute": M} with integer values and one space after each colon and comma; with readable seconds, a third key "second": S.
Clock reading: {"hour": 6, "minute": 48, "second": 36}
